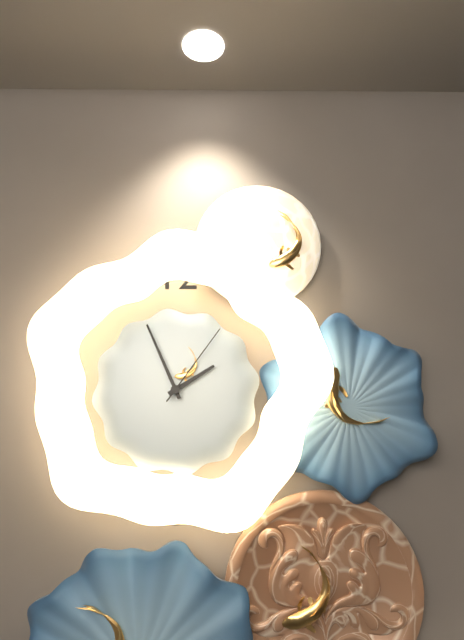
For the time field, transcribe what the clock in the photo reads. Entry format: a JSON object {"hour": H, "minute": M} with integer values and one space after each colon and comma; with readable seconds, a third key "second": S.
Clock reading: {"hour": 1, "minute": 56, "second": 6}
